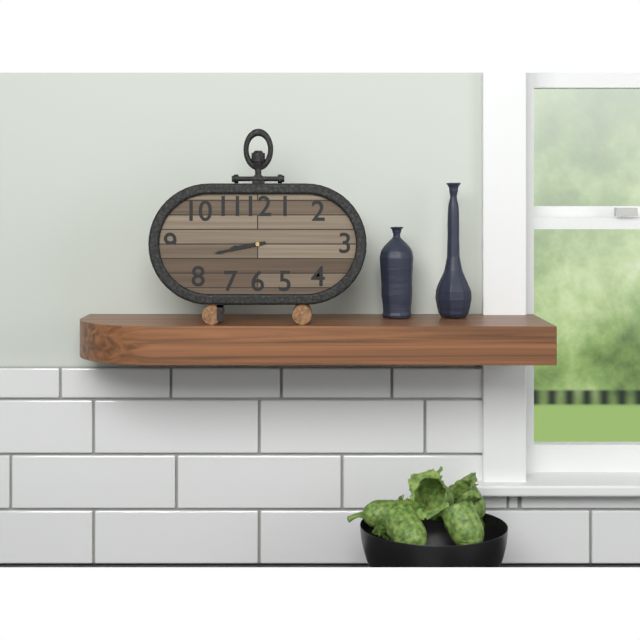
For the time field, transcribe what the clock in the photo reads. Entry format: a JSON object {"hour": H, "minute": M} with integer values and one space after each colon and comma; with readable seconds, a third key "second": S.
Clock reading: {"hour": 8, "minute": 43}
